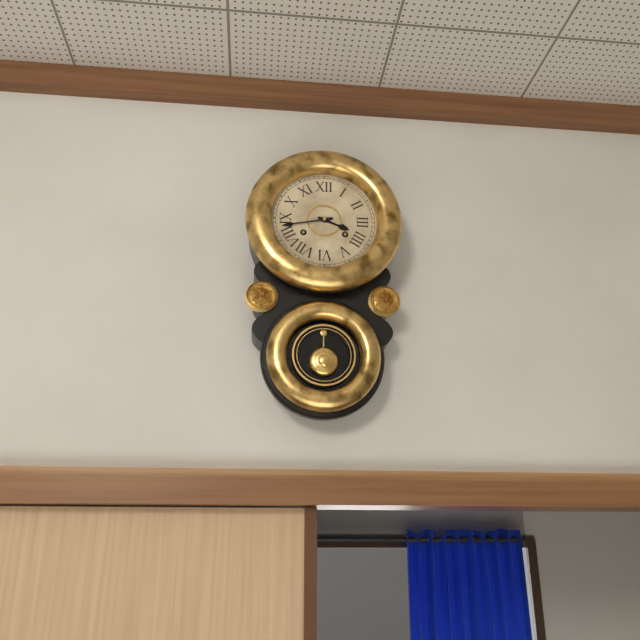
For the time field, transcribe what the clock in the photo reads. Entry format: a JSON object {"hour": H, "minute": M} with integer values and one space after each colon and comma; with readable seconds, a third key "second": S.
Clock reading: {"hour": 3, "minute": 43}
